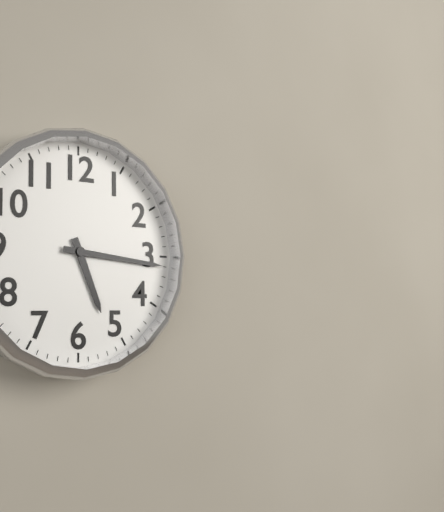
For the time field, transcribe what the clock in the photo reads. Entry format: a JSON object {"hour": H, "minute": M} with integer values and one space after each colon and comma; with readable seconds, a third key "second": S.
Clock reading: {"hour": 5, "minute": 16}
